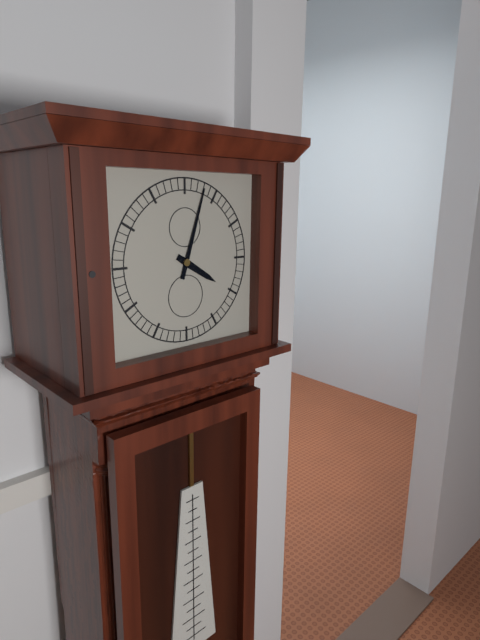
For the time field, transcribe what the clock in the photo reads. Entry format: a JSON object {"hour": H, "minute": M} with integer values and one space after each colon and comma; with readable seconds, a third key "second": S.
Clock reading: {"hour": 4, "minute": 3}
